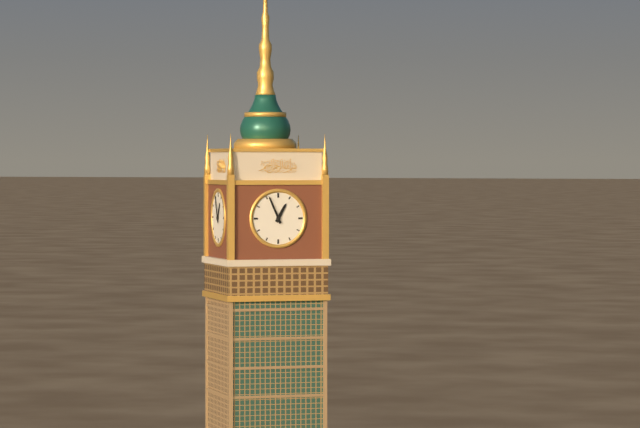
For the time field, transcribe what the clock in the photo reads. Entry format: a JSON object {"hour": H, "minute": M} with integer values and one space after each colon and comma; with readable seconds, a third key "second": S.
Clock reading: {"hour": 12, "minute": 56}
